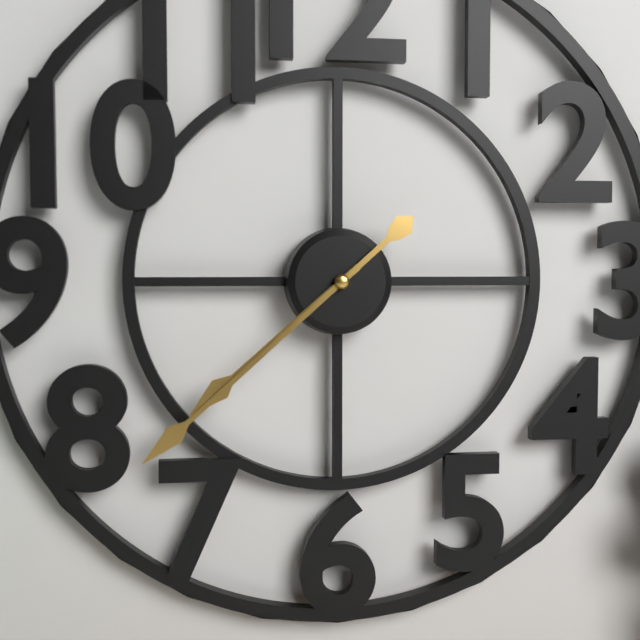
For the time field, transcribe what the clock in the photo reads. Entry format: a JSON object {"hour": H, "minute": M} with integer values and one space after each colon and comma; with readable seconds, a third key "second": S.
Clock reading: {"hour": 7, "minute": 38}
